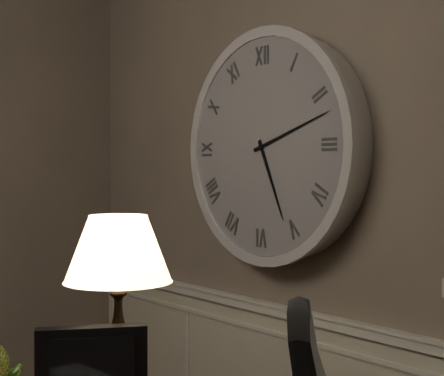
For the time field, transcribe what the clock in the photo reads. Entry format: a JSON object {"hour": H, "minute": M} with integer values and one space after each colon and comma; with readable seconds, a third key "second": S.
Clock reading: {"hour": 5, "minute": 12}
